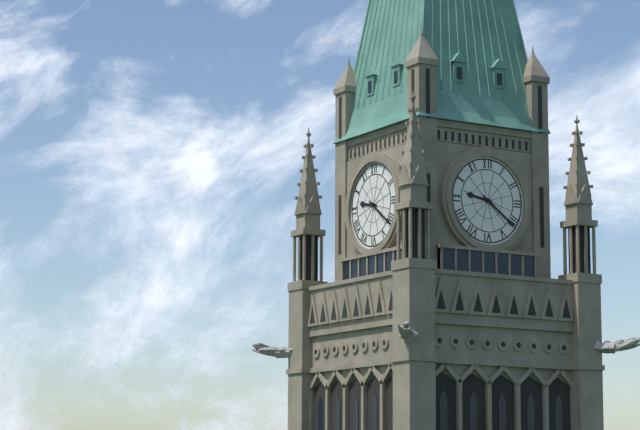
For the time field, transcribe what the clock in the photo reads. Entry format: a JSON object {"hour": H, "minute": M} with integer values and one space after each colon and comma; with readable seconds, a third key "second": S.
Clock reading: {"hour": 9, "minute": 21}
